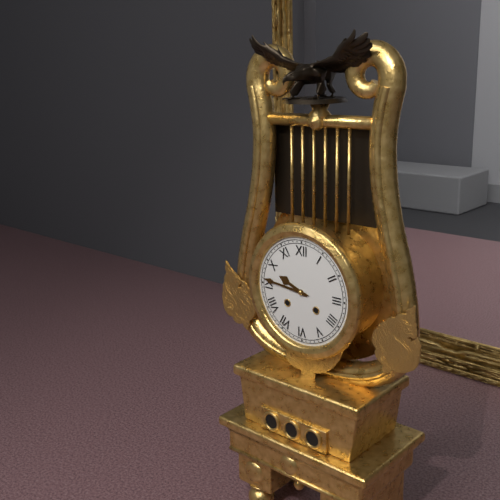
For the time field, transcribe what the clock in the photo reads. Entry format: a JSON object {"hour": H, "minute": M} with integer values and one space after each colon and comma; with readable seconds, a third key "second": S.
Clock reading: {"hour": 9, "minute": 46}
